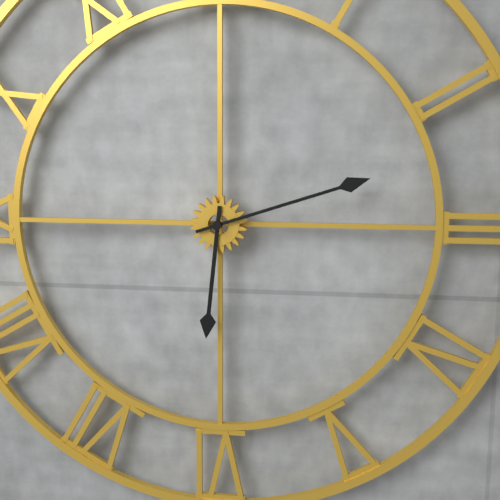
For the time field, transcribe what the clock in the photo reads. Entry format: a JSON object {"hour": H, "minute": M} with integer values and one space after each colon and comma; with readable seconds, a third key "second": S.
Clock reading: {"hour": 6, "minute": 12}
